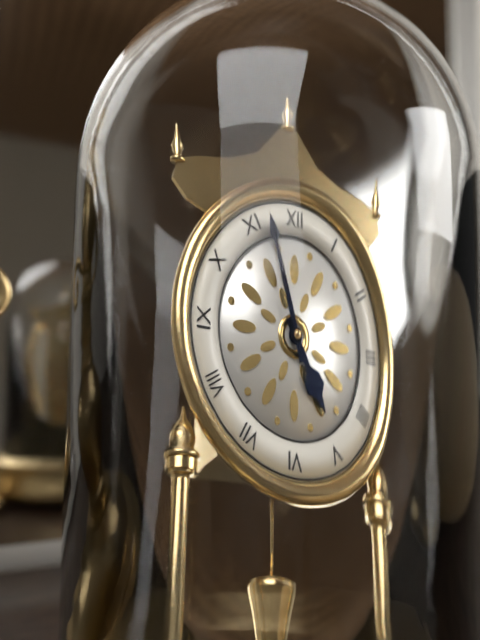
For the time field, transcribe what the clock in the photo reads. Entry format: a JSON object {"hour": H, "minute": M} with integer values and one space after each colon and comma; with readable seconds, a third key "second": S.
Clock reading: {"hour": 4, "minute": 57}
